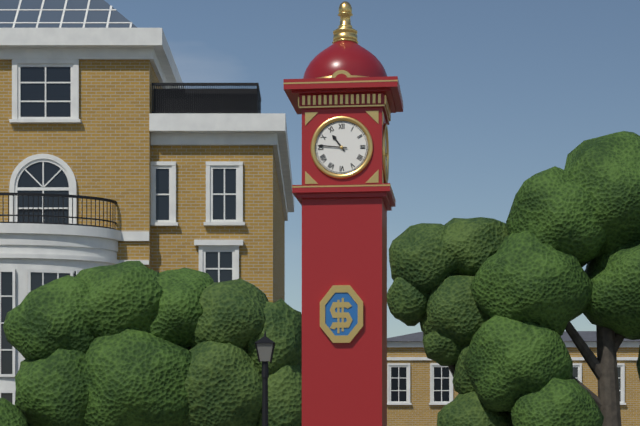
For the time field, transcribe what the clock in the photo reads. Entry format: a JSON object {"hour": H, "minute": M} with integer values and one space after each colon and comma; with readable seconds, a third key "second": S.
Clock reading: {"hour": 10, "minute": 46}
